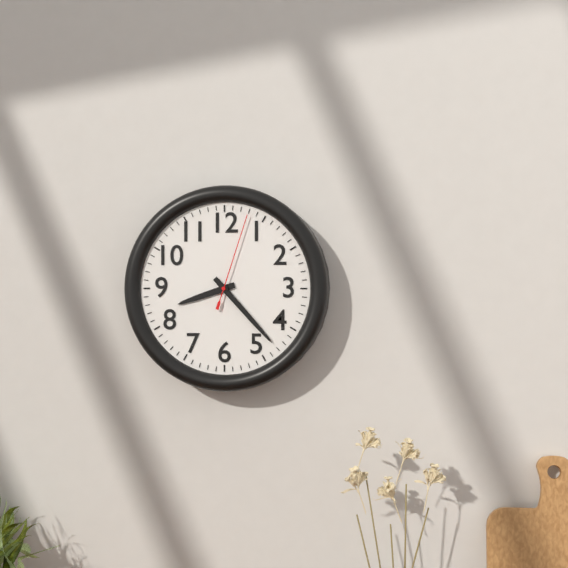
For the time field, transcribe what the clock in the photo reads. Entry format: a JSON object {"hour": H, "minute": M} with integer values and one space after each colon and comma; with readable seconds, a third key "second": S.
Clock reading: {"hour": 8, "minute": 23, "second": 3}
